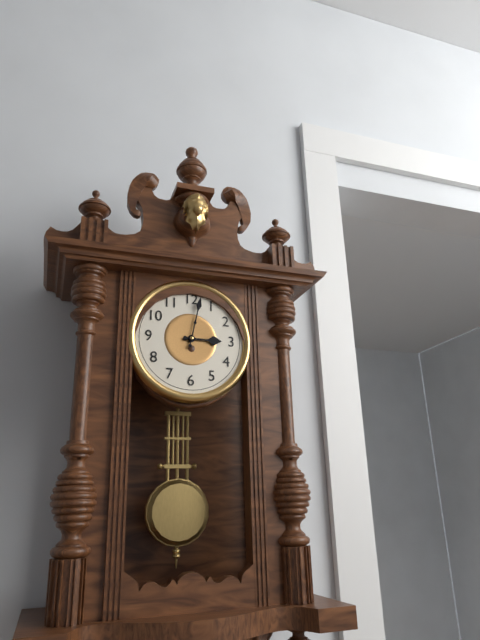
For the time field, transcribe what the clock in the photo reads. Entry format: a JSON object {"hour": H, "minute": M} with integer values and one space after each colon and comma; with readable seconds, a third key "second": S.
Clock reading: {"hour": 3, "minute": 2}
